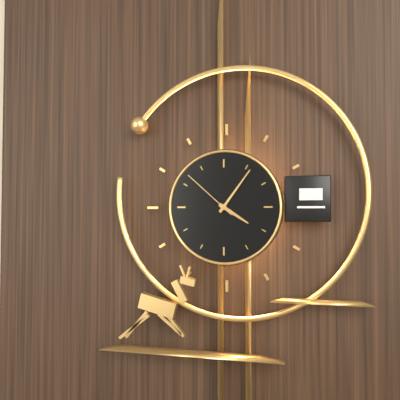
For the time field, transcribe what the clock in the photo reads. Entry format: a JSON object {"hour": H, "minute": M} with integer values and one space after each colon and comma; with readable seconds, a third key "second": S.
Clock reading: {"hour": 4, "minute": 6, "second": 52}
